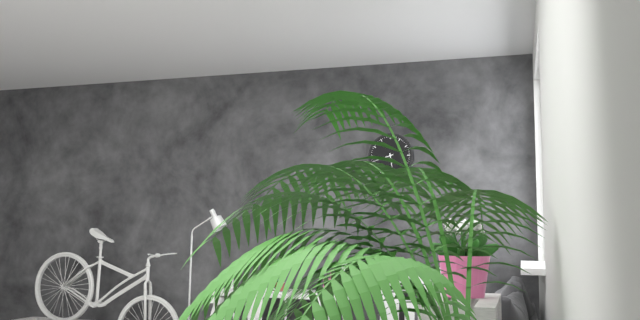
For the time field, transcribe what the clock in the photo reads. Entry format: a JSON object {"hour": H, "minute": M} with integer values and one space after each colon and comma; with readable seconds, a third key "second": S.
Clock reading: {"hour": 5, "minute": 42}
